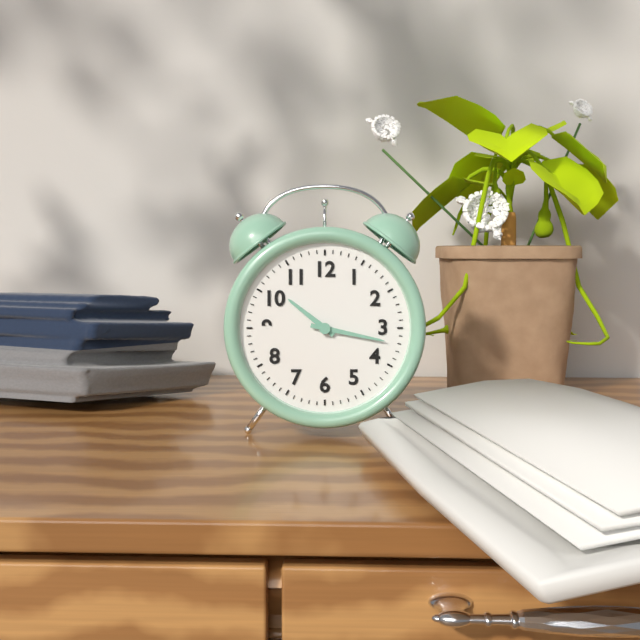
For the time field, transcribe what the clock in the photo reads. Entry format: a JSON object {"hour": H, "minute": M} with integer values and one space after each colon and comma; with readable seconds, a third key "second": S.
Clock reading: {"hour": 10, "minute": 17}
